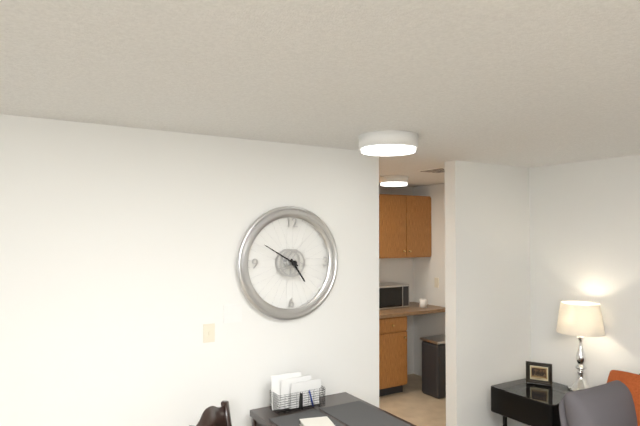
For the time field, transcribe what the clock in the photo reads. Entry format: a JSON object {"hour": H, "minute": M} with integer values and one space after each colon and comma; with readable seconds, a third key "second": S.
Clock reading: {"hour": 4, "minute": 50}
